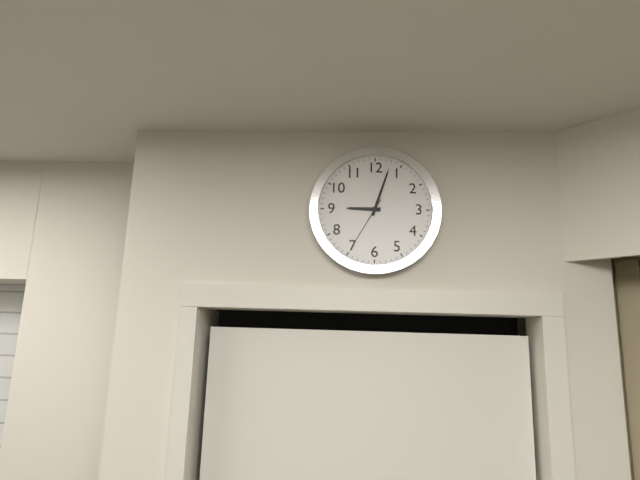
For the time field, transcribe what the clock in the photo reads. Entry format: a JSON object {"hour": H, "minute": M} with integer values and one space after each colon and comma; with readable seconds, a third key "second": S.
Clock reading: {"hour": 9, "minute": 3, "second": 35}
